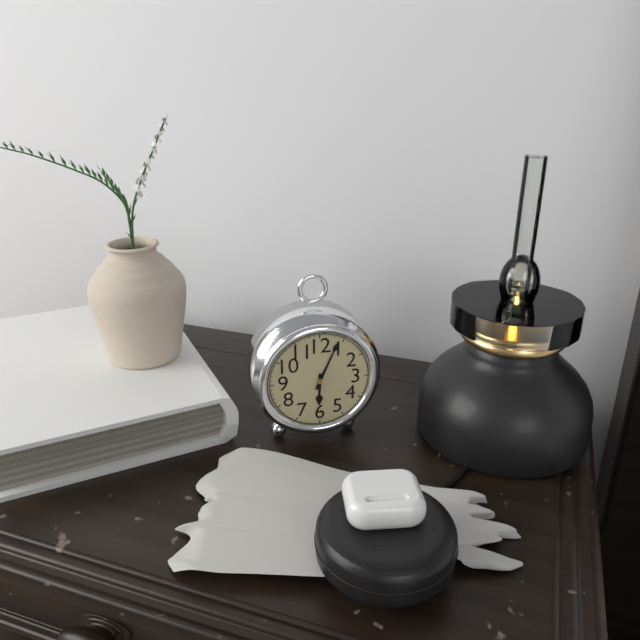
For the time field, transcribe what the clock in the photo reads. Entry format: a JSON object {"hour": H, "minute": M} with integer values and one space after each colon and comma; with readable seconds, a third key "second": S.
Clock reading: {"hour": 6, "minute": 4}
